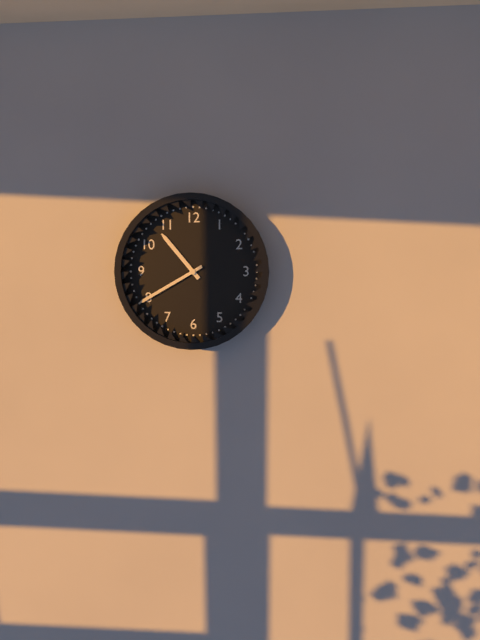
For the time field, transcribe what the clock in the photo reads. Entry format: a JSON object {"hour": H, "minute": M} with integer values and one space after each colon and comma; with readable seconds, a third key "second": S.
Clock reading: {"hour": 10, "minute": 40}
